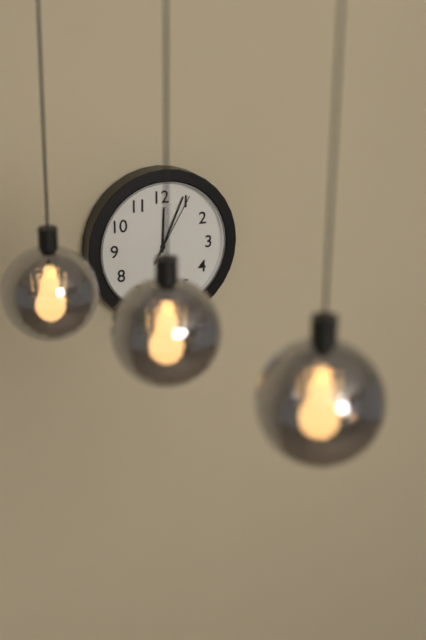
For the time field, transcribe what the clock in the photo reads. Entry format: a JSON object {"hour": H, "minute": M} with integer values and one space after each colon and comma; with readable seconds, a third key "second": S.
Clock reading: {"hour": 12, "minute": 4, "second": 5}
